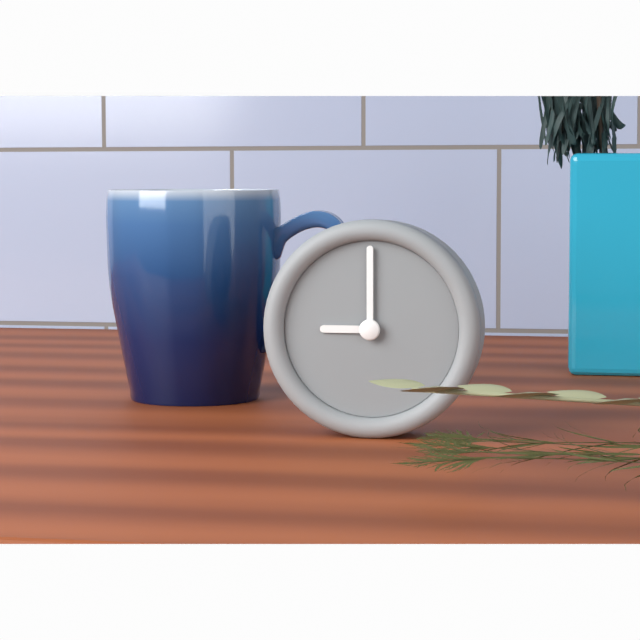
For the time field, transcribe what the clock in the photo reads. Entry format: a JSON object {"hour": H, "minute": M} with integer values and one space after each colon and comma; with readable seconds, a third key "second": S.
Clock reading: {"hour": 9, "minute": 0}
